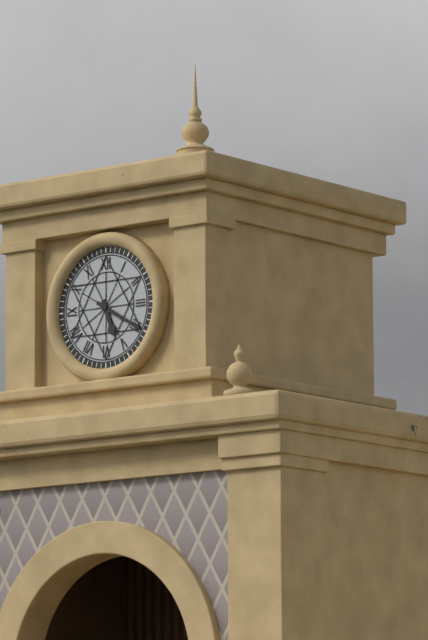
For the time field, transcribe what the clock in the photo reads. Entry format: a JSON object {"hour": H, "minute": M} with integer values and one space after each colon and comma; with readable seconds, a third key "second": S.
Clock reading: {"hour": 5, "minute": 20}
